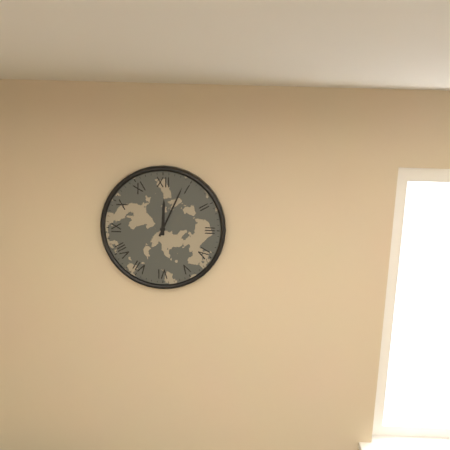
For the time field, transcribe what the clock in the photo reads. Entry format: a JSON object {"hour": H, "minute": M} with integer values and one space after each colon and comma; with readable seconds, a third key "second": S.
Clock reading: {"hour": 12, "minute": 4}
